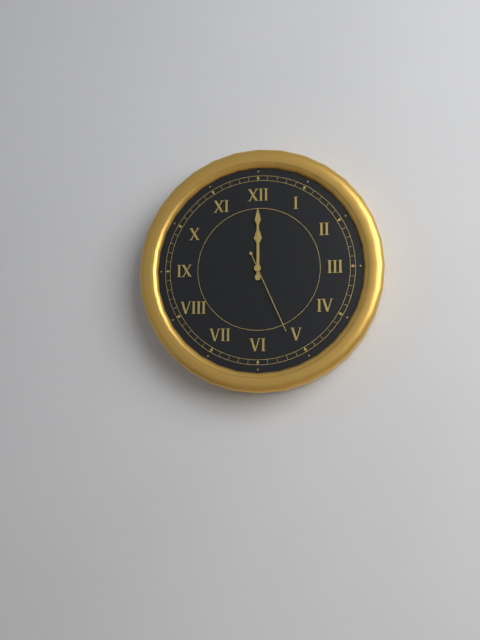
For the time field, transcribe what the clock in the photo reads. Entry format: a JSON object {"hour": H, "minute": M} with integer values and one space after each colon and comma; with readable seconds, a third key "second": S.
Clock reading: {"hour": 12, "minute": 0, "second": 26}
